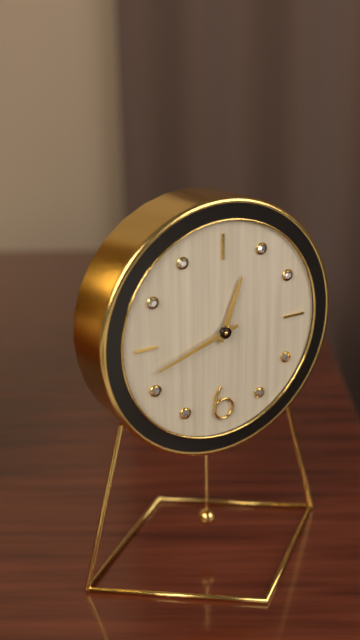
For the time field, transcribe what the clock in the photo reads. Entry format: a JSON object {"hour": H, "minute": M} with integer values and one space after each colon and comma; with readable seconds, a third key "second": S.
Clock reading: {"hour": 12, "minute": 42}
